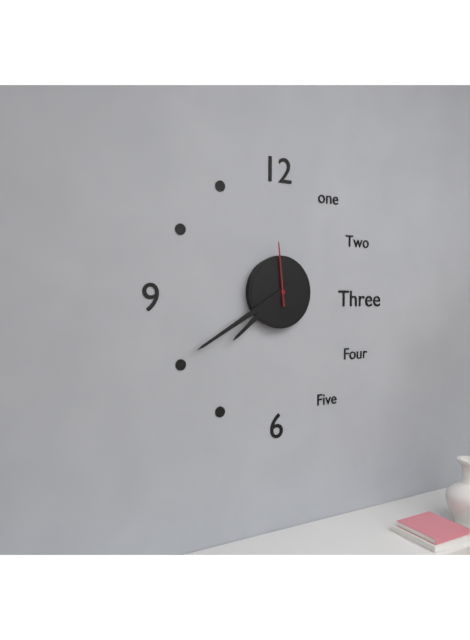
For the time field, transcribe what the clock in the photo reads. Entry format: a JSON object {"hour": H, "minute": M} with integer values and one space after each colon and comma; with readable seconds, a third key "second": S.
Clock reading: {"hour": 7, "minute": 40, "second": 59}
